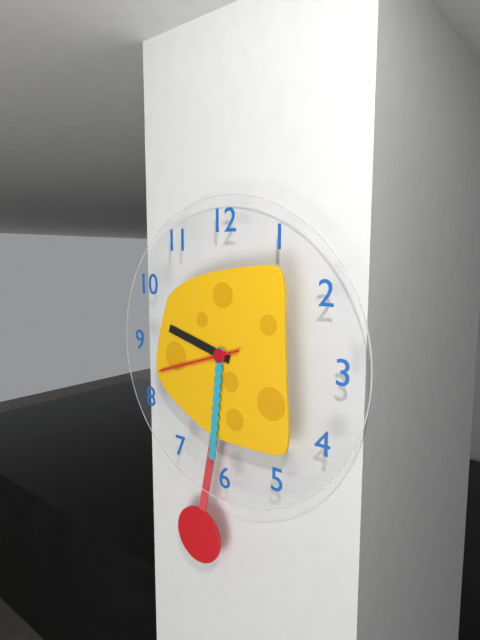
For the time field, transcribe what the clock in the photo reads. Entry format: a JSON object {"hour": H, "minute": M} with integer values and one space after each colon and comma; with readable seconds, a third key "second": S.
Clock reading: {"hour": 9, "minute": 31, "second": 42}
